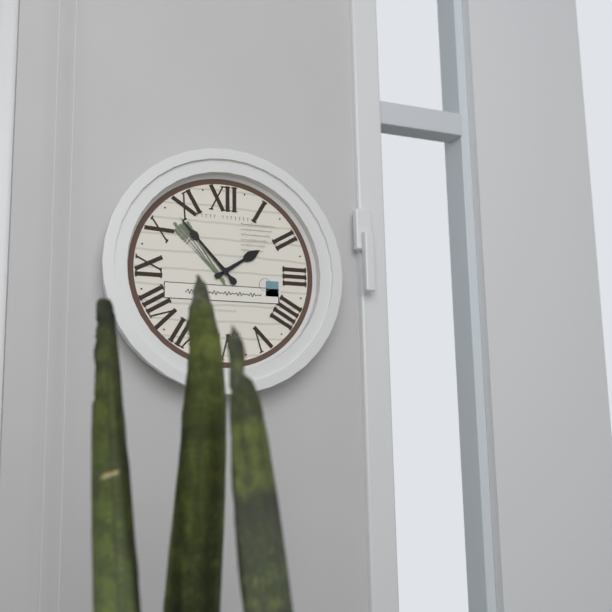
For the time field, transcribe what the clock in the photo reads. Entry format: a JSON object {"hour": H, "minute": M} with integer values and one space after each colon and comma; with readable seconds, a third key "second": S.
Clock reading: {"hour": 1, "minute": 53}
